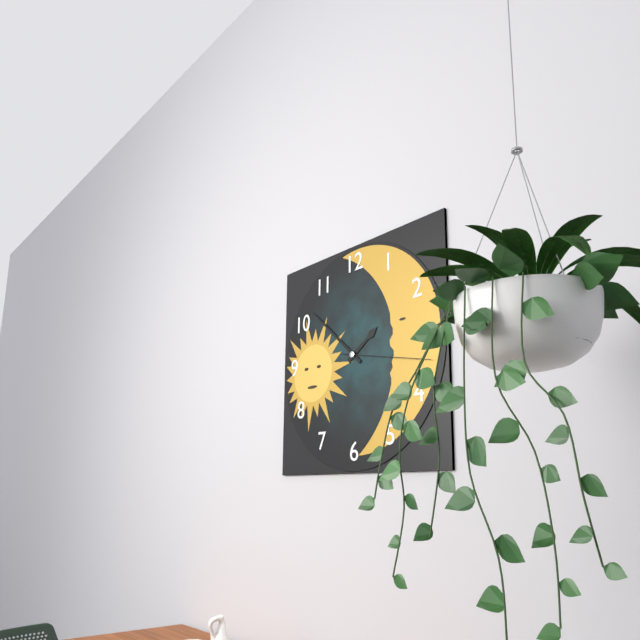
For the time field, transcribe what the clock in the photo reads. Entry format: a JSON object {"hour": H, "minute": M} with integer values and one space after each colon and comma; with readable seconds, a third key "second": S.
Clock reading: {"hour": 1, "minute": 52, "second": 17}
